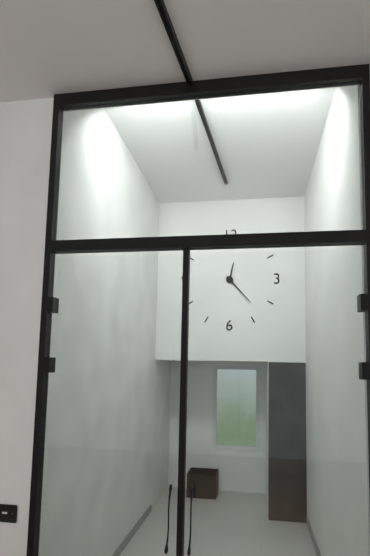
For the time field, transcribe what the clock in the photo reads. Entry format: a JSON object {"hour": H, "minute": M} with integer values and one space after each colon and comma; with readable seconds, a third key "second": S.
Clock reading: {"hour": 12, "minute": 23}
